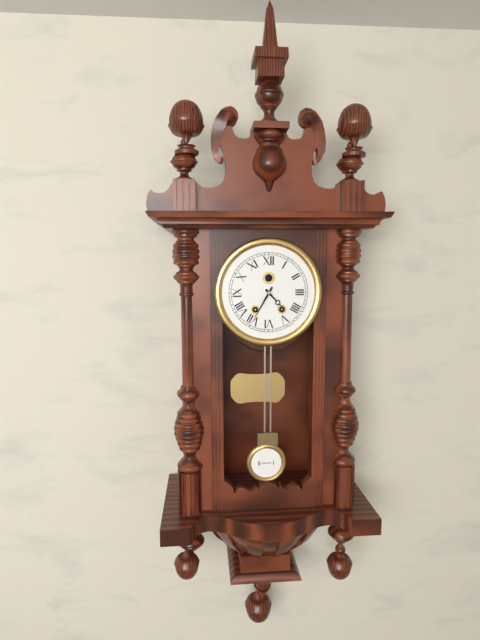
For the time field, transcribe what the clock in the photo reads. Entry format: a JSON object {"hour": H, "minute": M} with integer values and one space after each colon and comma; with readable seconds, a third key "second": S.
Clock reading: {"hour": 4, "minute": 35}
